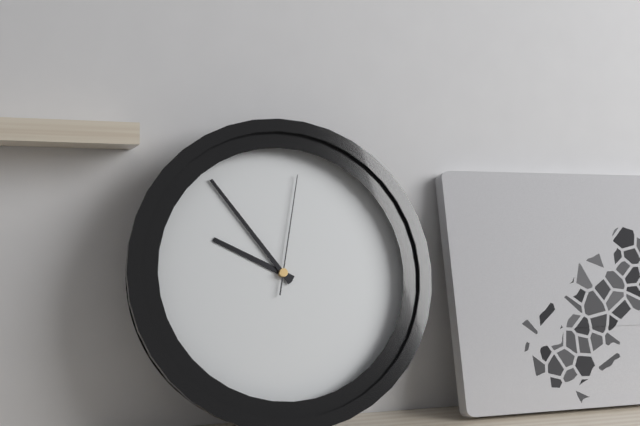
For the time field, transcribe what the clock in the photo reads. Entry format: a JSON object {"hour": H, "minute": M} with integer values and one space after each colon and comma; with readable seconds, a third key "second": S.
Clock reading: {"hour": 9, "minute": 54, "second": 2}
